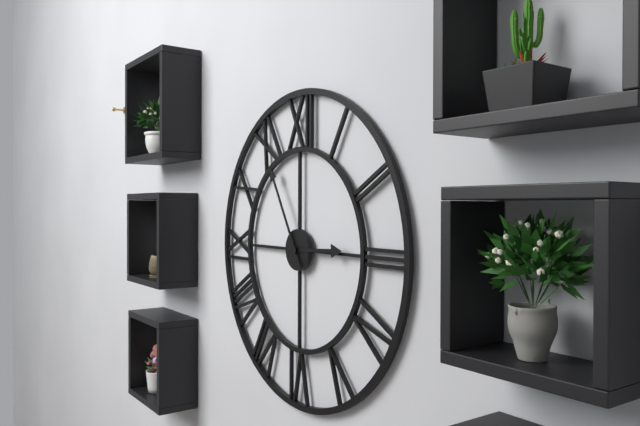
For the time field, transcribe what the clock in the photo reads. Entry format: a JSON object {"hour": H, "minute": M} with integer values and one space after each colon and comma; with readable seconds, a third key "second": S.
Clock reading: {"hour": 2, "minute": 55}
